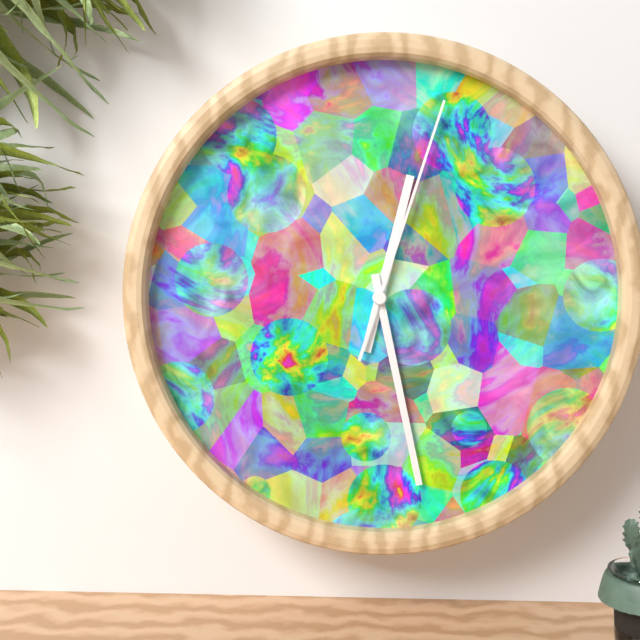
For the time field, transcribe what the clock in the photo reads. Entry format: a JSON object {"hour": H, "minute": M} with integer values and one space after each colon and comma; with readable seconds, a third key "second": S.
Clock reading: {"hour": 12, "minute": 28, "second": 3}
